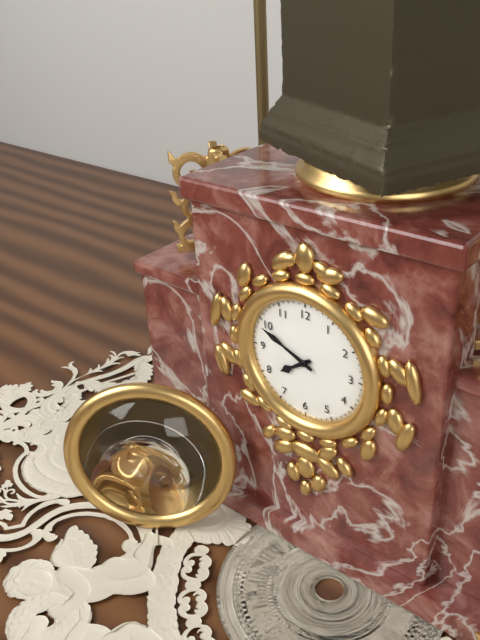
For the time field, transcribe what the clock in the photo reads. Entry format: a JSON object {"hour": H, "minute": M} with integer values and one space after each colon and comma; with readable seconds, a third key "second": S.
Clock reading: {"hour": 7, "minute": 49}
